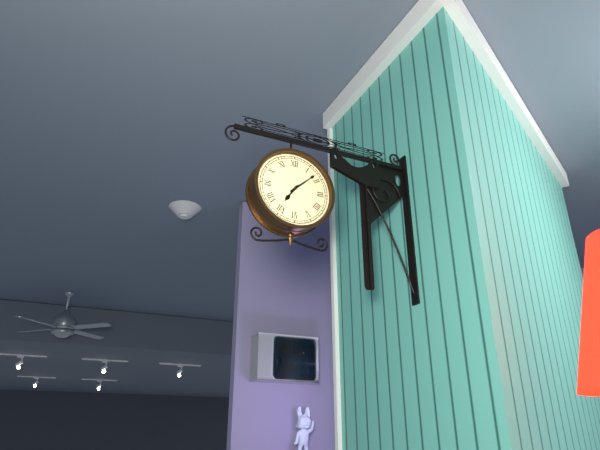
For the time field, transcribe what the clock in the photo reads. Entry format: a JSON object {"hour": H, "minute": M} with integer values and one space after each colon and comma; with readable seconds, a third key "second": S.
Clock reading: {"hour": 7, "minute": 8}
